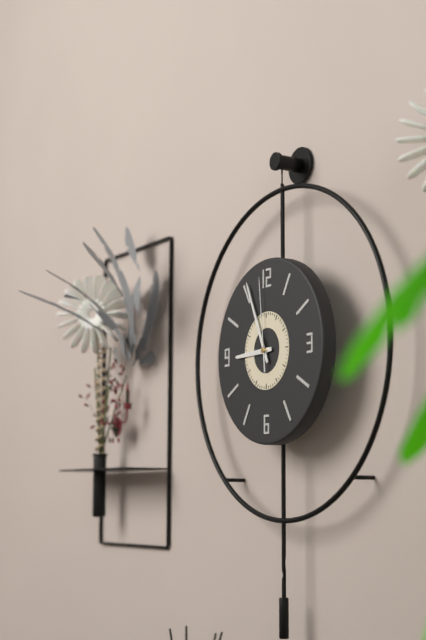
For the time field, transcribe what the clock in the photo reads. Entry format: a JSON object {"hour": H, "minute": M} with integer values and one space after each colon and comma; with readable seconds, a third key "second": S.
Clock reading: {"hour": 8, "minute": 56, "second": 59}
